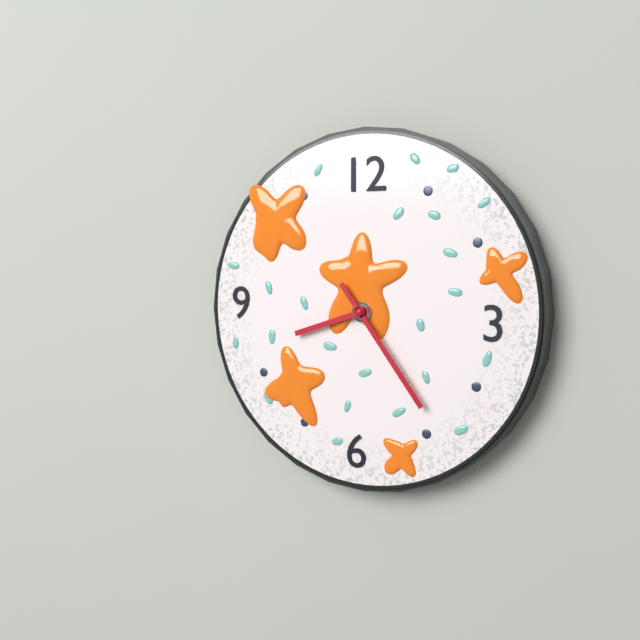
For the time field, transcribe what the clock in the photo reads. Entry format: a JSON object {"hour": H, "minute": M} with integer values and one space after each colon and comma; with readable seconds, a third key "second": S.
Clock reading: {"hour": 8, "minute": 24}
